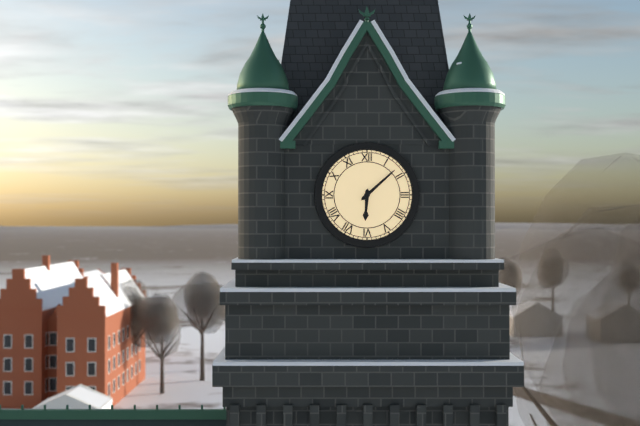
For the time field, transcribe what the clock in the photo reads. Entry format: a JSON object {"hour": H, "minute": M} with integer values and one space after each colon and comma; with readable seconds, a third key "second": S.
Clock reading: {"hour": 6, "minute": 8}
